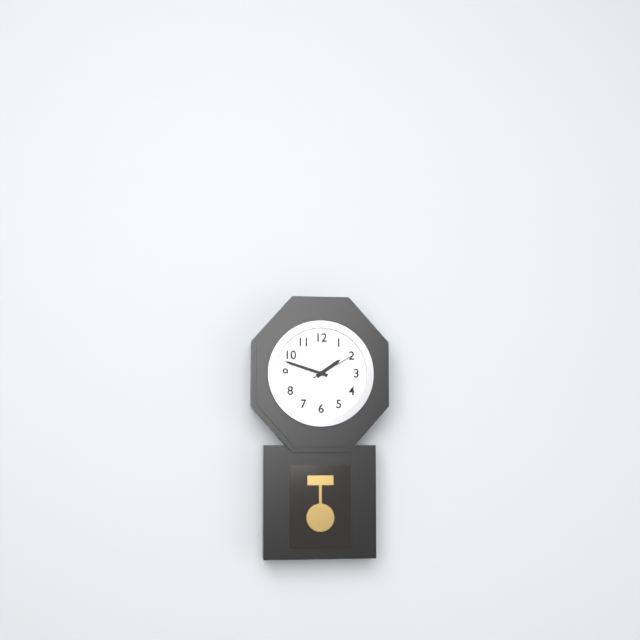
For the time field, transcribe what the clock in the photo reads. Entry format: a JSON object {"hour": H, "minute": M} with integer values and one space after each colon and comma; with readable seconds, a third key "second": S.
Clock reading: {"hour": 1, "minute": 48, "second": 10}
